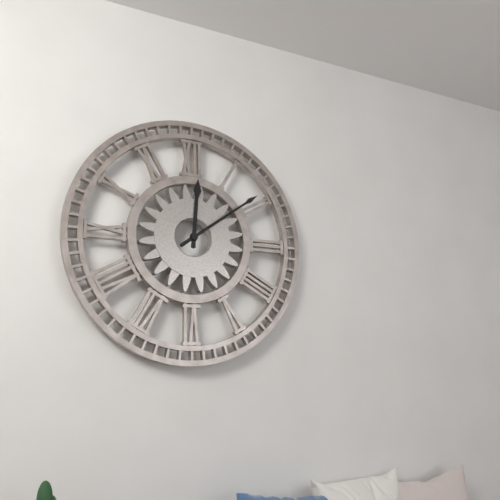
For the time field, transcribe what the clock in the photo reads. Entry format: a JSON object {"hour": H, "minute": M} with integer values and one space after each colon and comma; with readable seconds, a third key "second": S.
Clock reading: {"hour": 12, "minute": 9}
